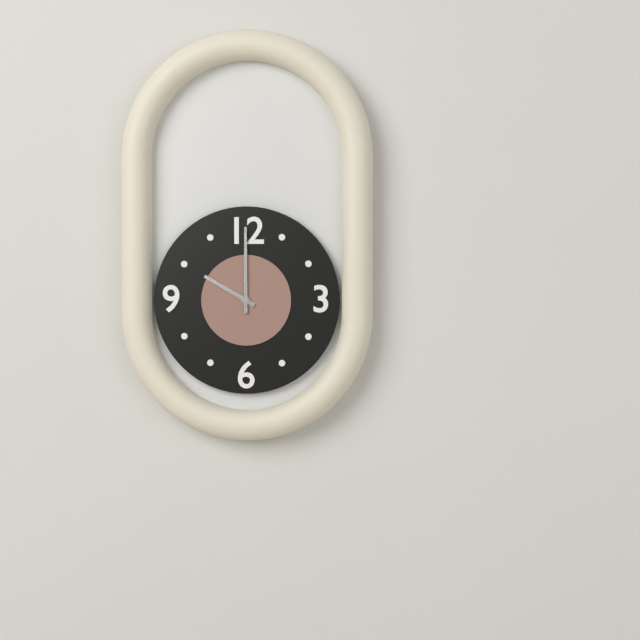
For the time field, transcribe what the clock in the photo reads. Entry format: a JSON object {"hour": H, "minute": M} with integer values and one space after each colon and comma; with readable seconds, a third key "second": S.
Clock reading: {"hour": 10, "minute": 0}
